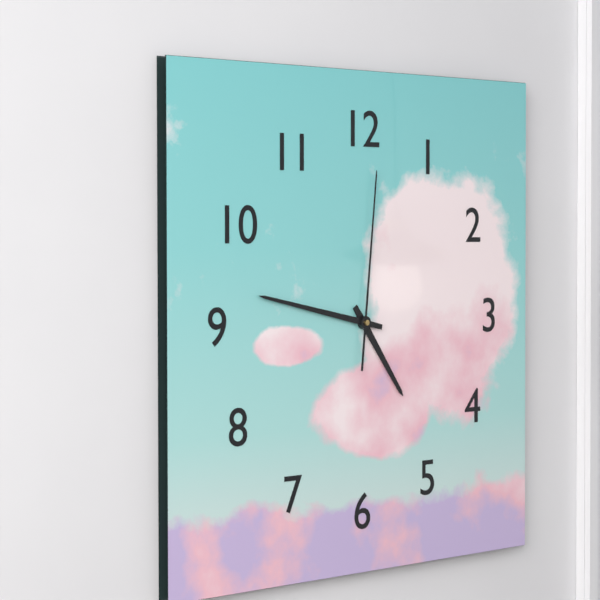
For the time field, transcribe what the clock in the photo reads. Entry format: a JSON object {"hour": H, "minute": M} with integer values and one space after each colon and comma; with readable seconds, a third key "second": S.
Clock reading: {"hour": 4, "minute": 47, "second": 1}
